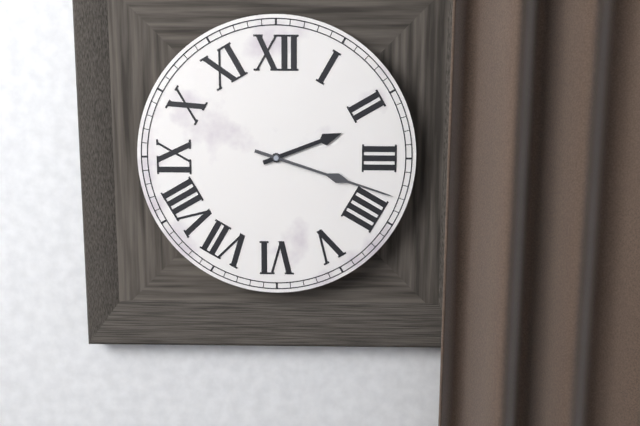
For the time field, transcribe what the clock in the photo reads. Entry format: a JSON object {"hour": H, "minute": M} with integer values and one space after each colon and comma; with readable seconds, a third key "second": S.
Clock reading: {"hour": 2, "minute": 18}
